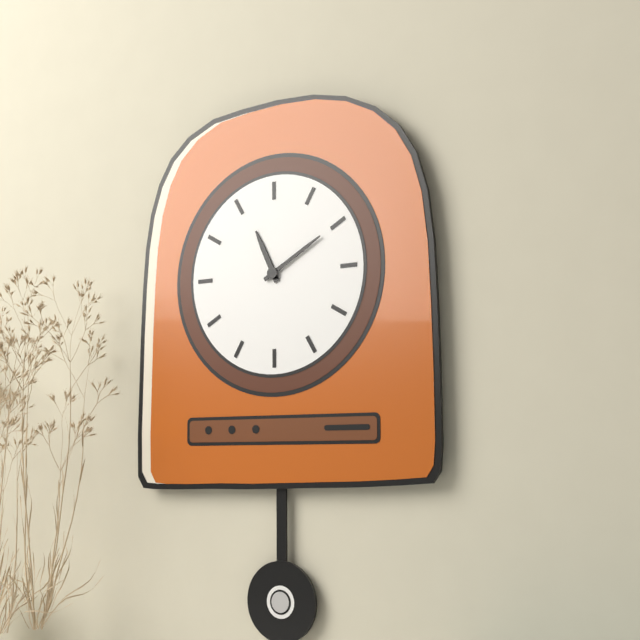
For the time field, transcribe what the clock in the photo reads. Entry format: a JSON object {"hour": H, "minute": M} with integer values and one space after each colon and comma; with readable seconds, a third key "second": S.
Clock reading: {"hour": 11, "minute": 10}
